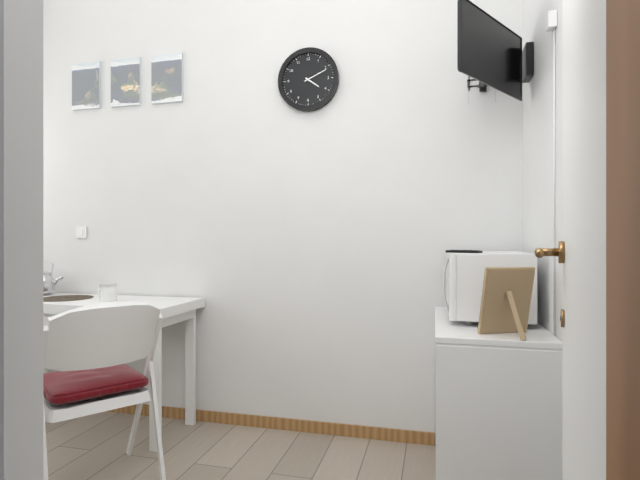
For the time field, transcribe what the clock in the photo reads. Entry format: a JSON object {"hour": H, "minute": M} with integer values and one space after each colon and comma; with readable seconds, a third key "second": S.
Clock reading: {"hour": 4, "minute": 11}
